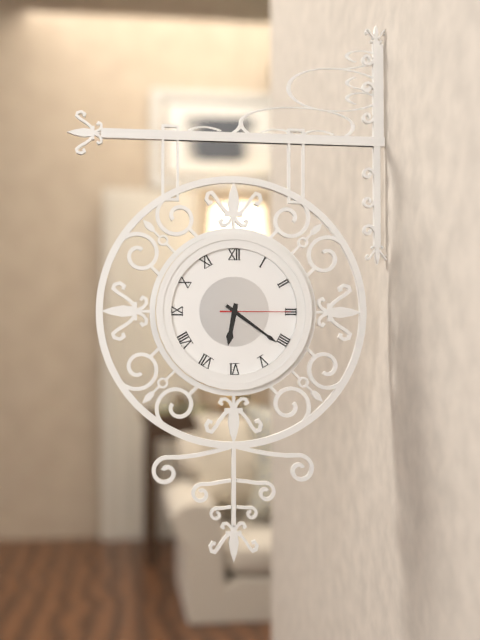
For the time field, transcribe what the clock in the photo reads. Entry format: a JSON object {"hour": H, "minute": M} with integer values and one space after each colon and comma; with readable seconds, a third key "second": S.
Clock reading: {"hour": 6, "minute": 21, "second": 15}
